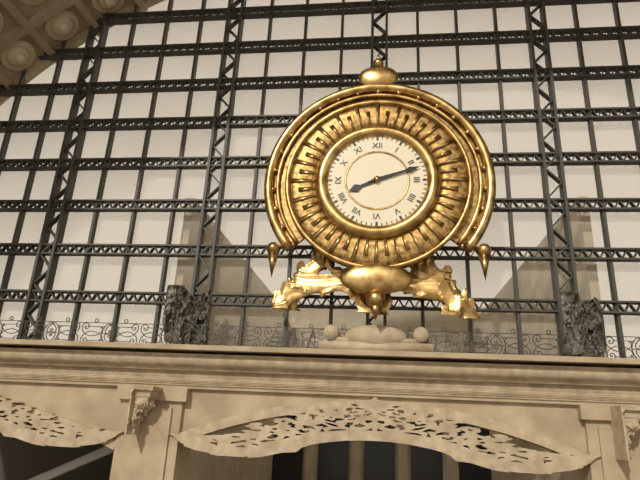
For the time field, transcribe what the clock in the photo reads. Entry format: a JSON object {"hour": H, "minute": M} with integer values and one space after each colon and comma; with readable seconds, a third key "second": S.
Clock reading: {"hour": 8, "minute": 12}
